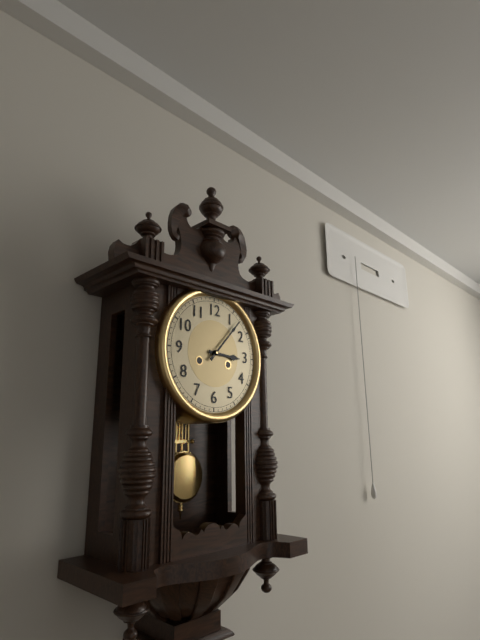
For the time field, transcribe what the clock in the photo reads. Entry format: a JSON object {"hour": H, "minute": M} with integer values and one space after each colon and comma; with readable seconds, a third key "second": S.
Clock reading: {"hour": 3, "minute": 7}
